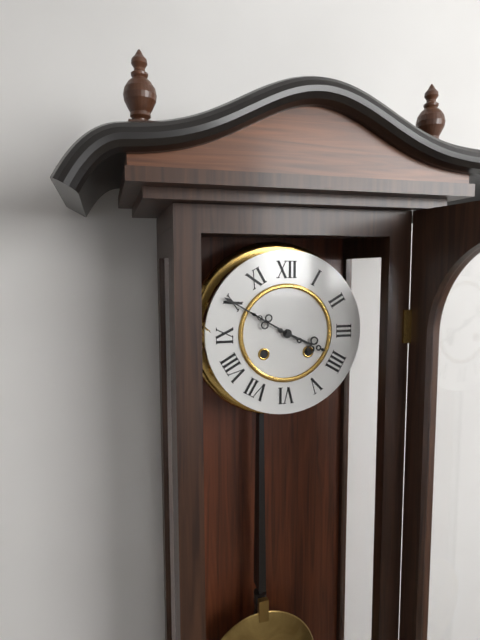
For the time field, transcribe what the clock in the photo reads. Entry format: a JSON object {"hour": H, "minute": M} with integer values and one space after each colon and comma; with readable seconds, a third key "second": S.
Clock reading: {"hour": 3, "minute": 50}
